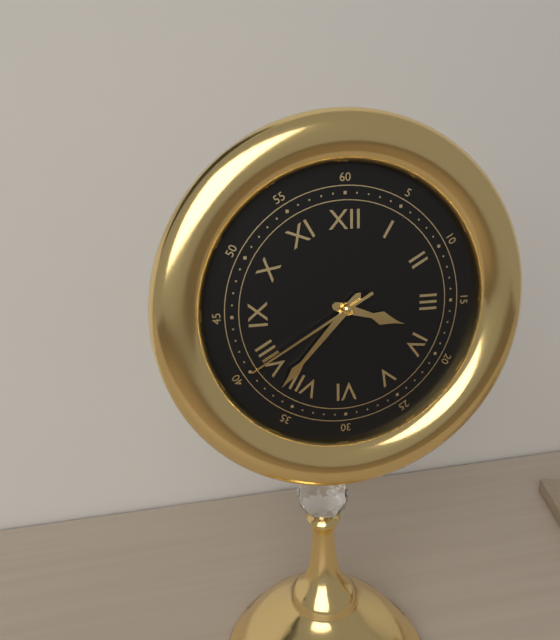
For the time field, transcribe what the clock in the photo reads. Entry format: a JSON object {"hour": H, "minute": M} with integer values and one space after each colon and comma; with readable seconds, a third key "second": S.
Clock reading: {"hour": 3, "minute": 37, "second": 40}
